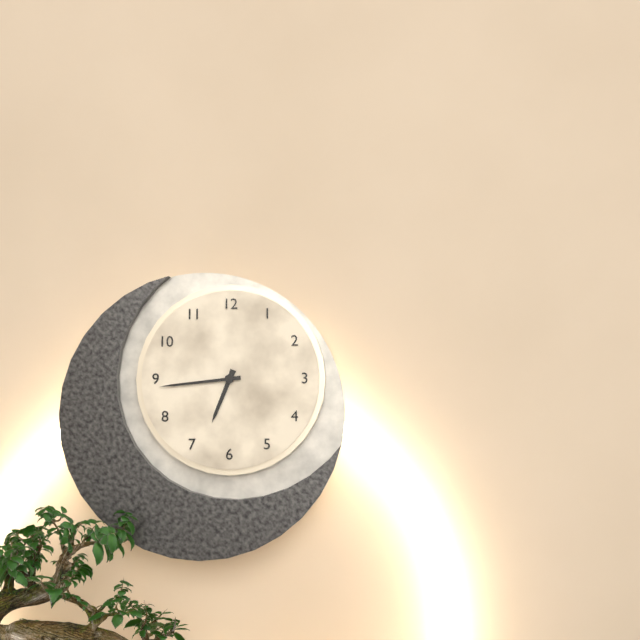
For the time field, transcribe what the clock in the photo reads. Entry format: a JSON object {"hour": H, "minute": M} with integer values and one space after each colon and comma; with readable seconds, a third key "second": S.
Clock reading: {"hour": 6, "minute": 44}
